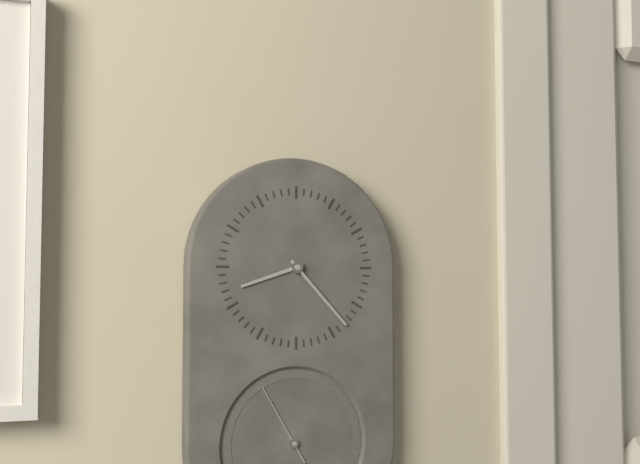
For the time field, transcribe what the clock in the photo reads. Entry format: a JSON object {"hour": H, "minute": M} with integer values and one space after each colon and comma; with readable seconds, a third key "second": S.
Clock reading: {"hour": 8, "minute": 23, "second": 55}
